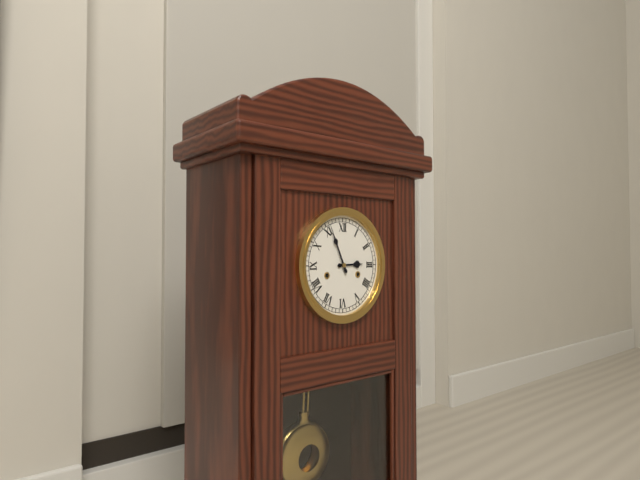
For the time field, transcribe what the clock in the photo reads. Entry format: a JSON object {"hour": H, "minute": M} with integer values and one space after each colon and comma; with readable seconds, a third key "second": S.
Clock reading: {"hour": 2, "minute": 56}
